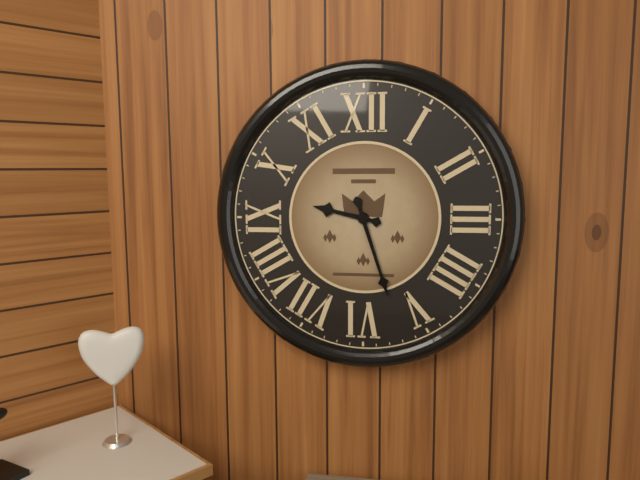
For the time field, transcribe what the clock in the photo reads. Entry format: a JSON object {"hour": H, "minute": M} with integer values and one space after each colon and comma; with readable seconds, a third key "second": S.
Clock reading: {"hour": 9, "minute": 27}
